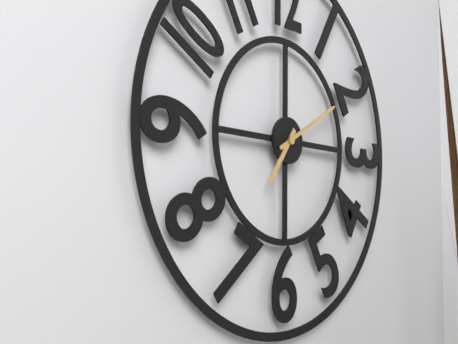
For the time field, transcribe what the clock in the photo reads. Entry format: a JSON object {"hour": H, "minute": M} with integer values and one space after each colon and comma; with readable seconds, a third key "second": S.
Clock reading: {"hour": 7, "minute": 10}
